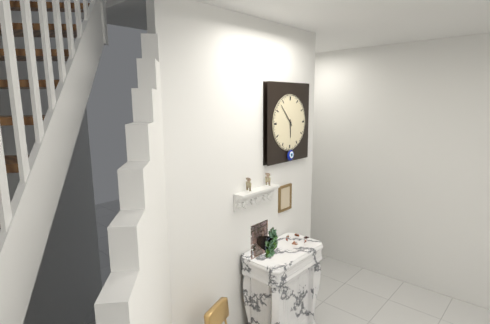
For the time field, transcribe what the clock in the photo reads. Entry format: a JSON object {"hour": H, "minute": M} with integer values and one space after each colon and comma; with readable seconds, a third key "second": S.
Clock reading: {"hour": 5, "minute": 53}
